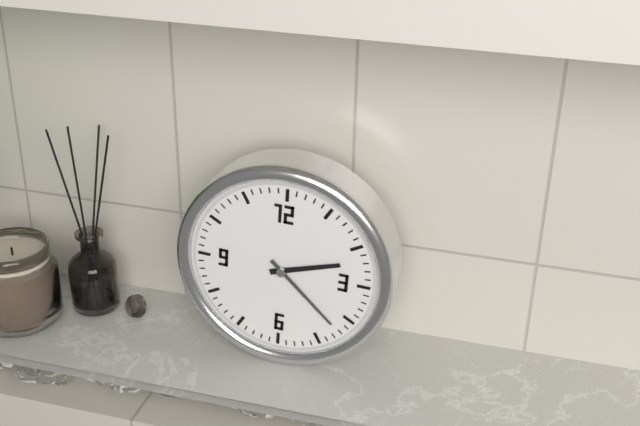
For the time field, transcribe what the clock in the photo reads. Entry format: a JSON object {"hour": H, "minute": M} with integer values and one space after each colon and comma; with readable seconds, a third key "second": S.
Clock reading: {"hour": 2, "minute": 22}
